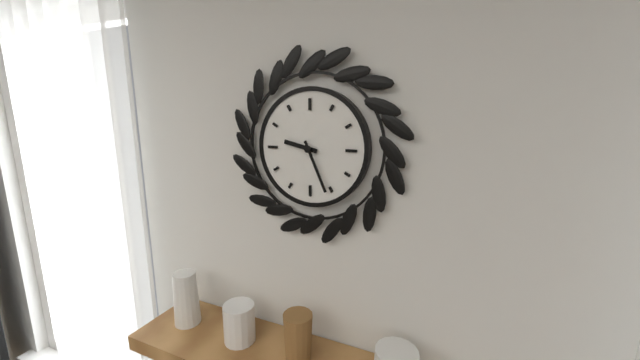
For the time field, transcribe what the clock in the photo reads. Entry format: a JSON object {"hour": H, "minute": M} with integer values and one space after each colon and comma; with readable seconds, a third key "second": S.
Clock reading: {"hour": 9, "minute": 26}
